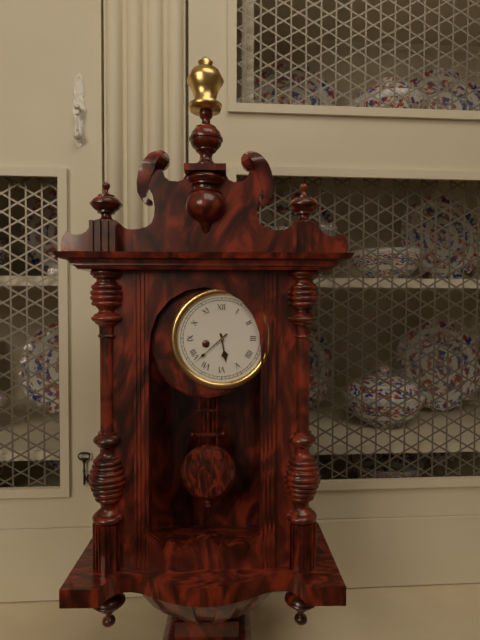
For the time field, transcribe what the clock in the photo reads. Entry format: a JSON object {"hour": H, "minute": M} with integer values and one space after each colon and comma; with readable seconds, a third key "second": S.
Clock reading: {"hour": 5, "minute": 38}
